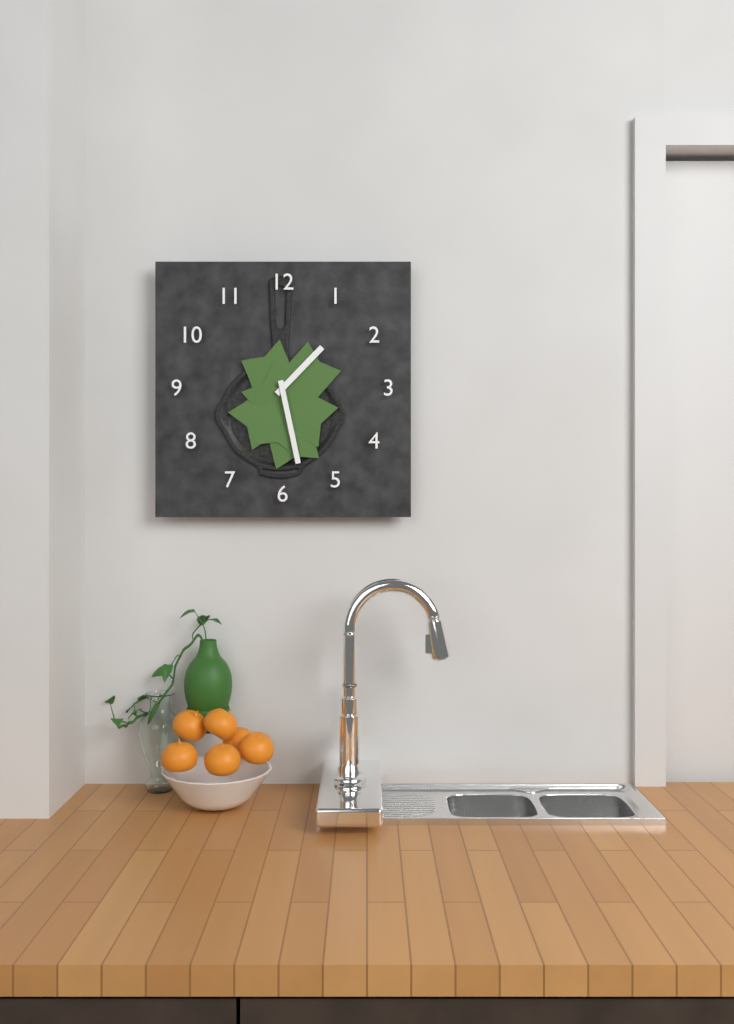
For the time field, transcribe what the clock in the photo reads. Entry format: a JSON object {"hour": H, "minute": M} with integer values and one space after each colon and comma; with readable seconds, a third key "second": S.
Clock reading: {"hour": 1, "minute": 28}
